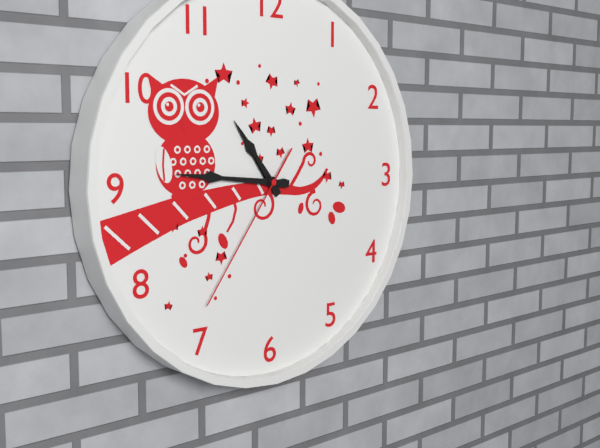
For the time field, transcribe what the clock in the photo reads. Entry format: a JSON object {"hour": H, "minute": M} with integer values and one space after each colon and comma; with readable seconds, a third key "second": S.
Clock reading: {"hour": 10, "minute": 46, "second": 36}
